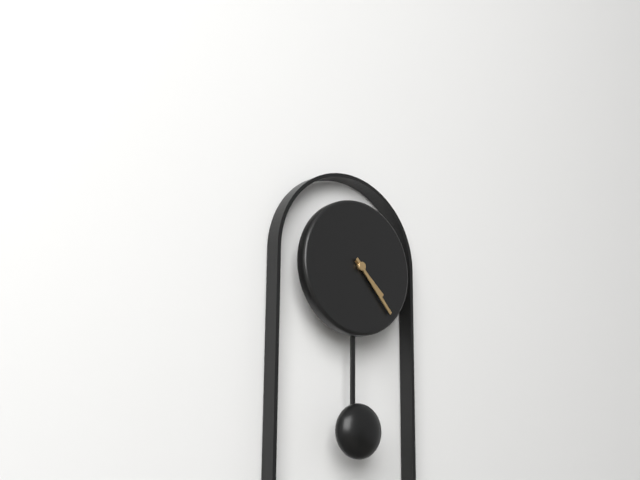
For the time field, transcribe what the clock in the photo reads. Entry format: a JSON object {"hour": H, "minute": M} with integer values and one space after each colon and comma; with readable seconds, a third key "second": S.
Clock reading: {"hour": 4, "minute": 23}
